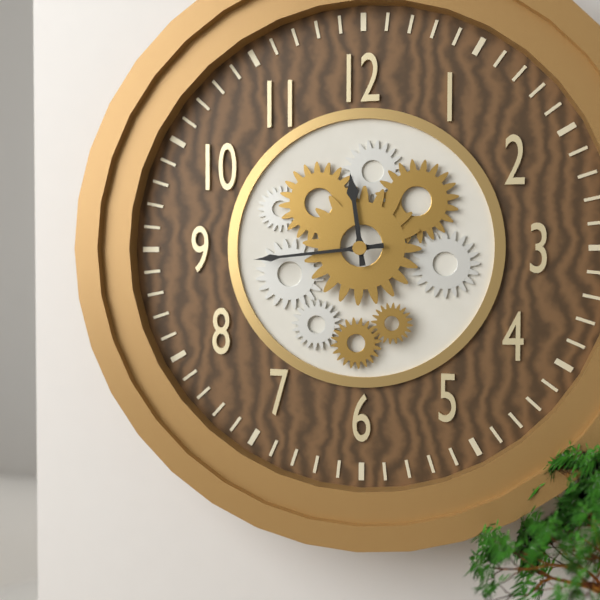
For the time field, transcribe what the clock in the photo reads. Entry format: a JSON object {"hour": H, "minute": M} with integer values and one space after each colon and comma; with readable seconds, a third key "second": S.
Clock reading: {"hour": 11, "minute": 44}
